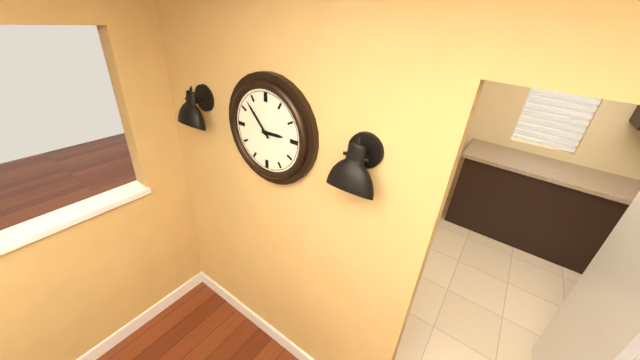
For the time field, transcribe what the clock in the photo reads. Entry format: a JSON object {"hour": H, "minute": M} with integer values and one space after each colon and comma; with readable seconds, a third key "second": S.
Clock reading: {"hour": 2, "minute": 53}
